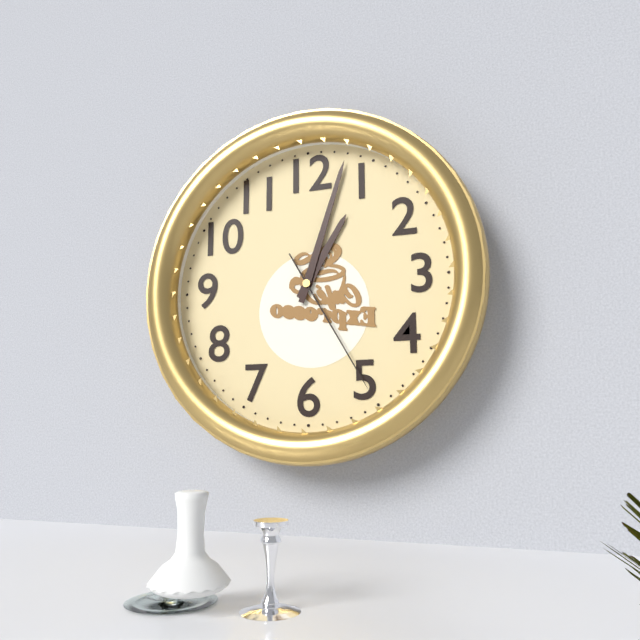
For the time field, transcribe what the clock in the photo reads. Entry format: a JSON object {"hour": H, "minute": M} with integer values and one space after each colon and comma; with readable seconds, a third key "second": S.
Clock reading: {"hour": 1, "minute": 3, "second": 25}
